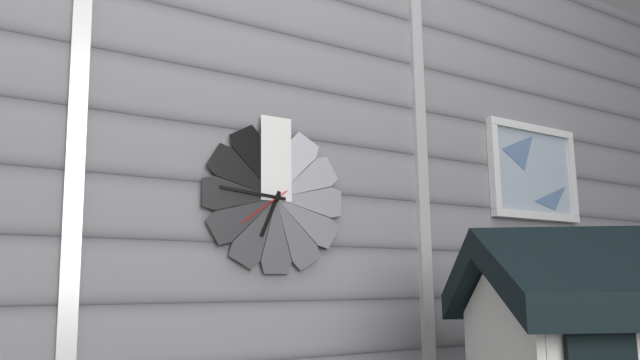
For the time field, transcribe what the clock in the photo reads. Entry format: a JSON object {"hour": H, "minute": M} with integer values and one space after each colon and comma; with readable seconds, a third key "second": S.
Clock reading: {"hour": 6, "minute": 46, "second": 39}
